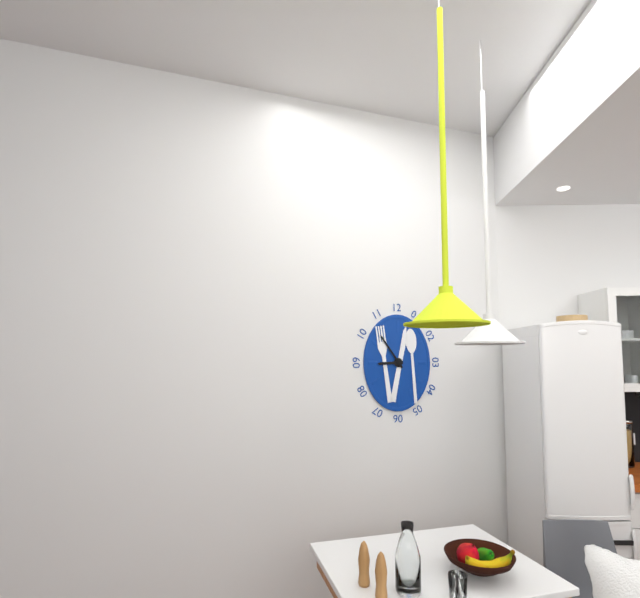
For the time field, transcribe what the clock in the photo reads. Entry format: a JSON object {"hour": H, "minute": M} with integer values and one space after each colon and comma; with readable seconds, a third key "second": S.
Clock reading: {"hour": 8, "minute": 54}
